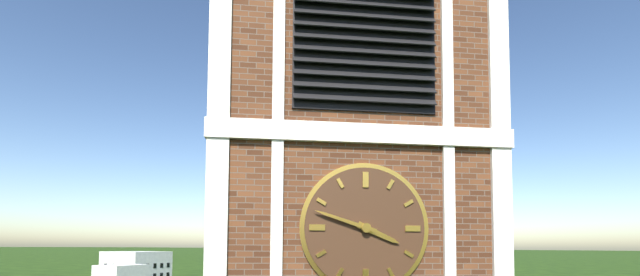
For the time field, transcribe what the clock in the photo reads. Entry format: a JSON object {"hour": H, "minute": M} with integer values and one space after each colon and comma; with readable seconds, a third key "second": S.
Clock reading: {"hour": 3, "minute": 48}
